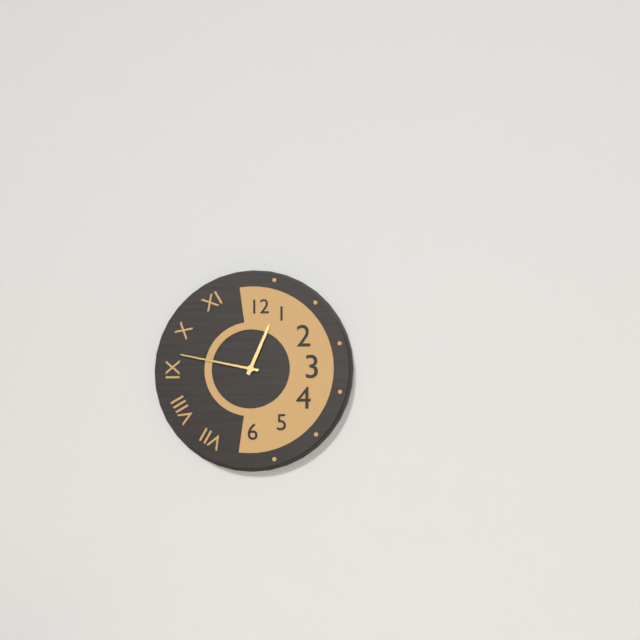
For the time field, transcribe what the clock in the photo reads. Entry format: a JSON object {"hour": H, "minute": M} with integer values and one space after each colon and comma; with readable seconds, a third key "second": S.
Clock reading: {"hour": 12, "minute": 47}
